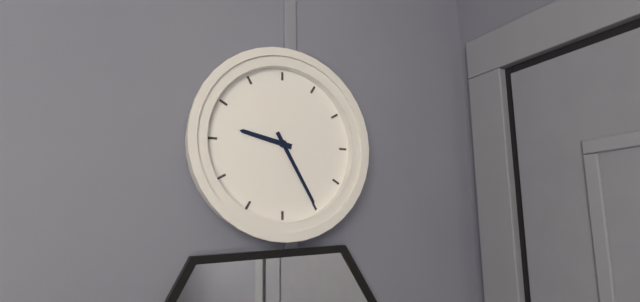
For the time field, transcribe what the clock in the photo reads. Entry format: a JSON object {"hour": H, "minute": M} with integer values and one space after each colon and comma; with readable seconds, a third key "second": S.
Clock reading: {"hour": 9, "minute": 25}
